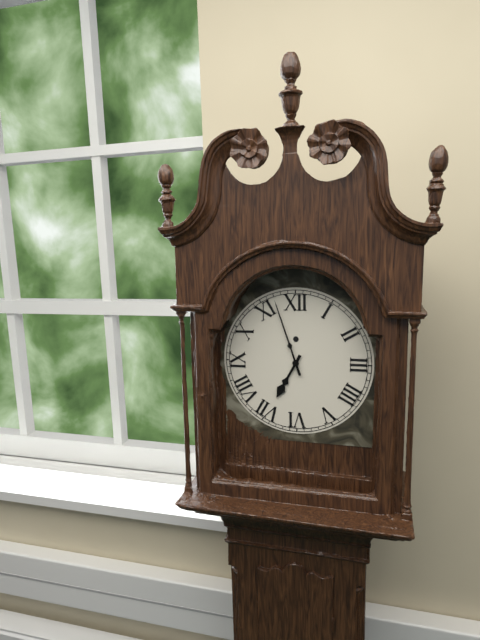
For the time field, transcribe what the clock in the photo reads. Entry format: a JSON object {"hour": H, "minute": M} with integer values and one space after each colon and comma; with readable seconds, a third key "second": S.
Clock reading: {"hour": 6, "minute": 57}
